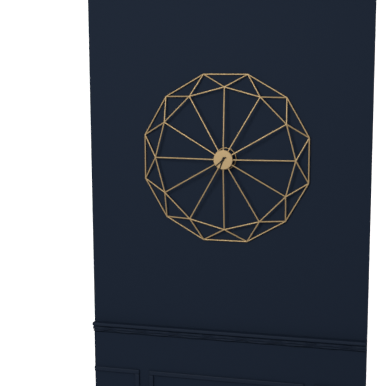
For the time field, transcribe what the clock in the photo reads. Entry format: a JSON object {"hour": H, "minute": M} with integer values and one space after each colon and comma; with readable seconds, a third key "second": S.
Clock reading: {"hour": 6, "minute": 38}
